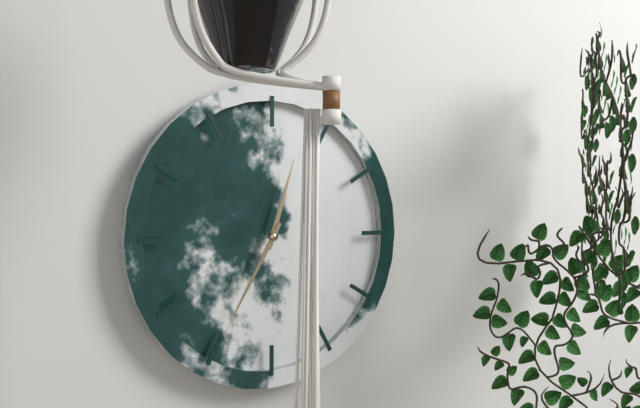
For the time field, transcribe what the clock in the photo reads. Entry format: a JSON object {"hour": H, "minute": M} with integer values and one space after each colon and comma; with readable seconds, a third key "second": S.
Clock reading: {"hour": 12, "minute": 35}
